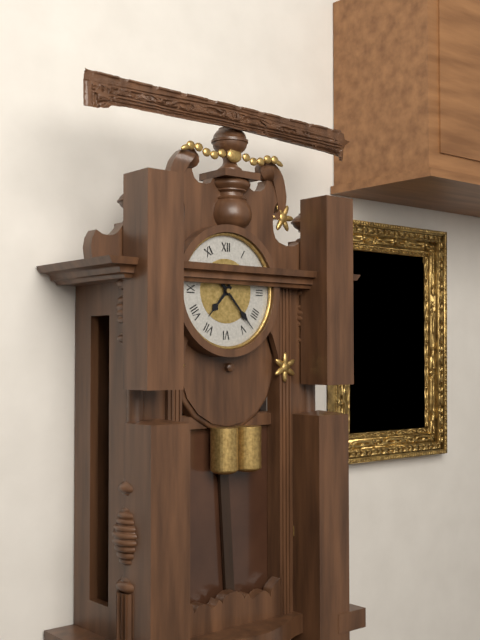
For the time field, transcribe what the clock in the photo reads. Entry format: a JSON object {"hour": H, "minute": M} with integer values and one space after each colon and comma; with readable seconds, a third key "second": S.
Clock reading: {"hour": 7, "minute": 23}
